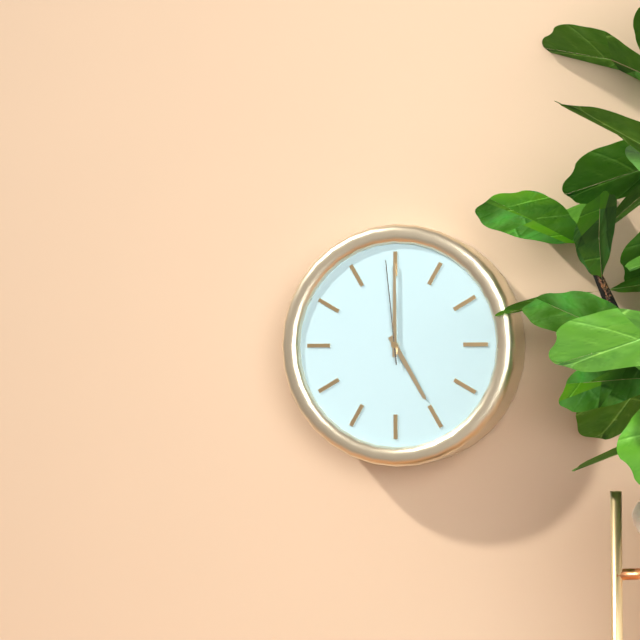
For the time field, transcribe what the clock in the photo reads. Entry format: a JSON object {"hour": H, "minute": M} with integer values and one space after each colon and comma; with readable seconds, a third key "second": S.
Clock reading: {"hour": 5, "minute": 0, "second": 59}
